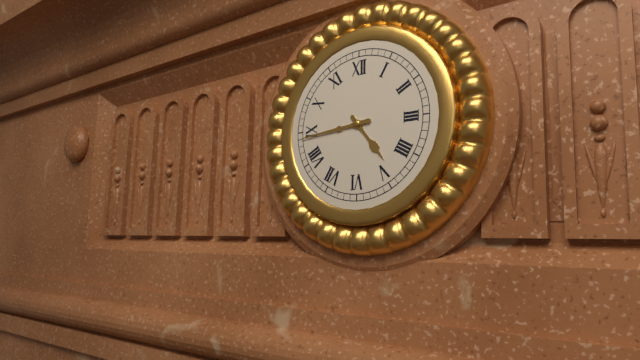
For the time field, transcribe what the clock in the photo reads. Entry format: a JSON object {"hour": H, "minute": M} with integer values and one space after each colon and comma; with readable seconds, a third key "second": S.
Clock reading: {"hour": 4, "minute": 44}
